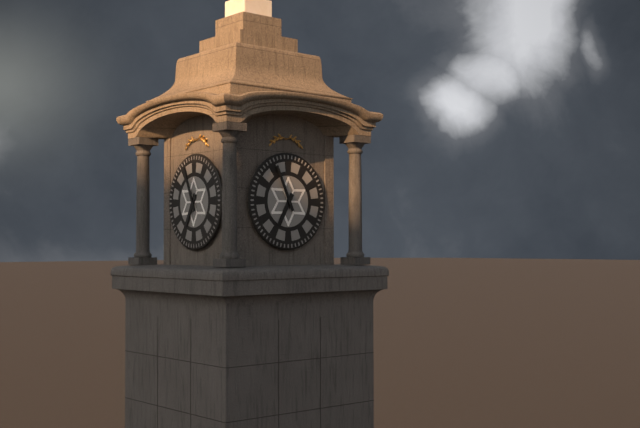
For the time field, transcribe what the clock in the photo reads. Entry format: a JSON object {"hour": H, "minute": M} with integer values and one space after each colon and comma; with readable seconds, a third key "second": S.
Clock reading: {"hour": 6, "minute": 56}
